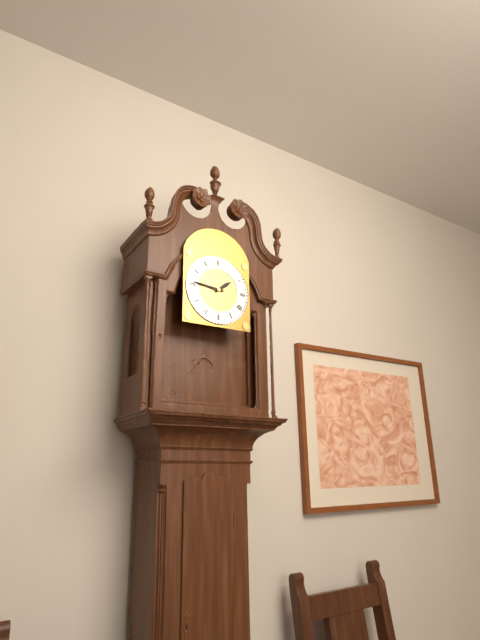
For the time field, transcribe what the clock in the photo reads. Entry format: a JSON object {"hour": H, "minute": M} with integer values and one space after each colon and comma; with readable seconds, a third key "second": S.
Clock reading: {"hour": 1, "minute": 46}
